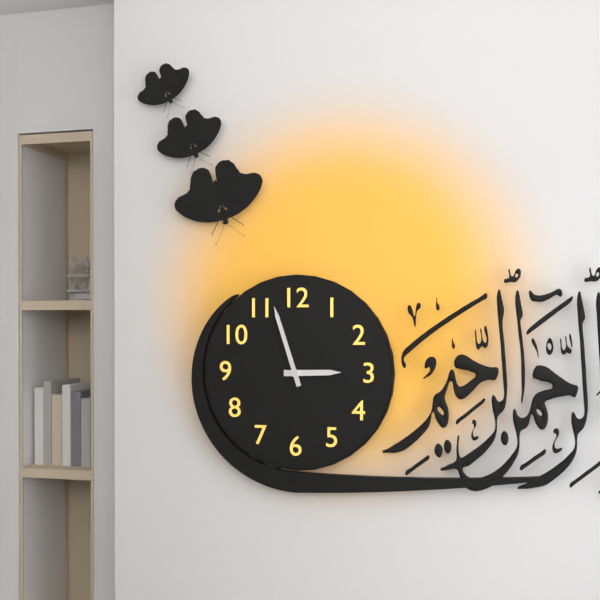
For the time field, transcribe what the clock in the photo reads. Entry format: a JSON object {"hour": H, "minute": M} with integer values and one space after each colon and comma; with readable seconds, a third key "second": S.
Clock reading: {"hour": 2, "minute": 57}
